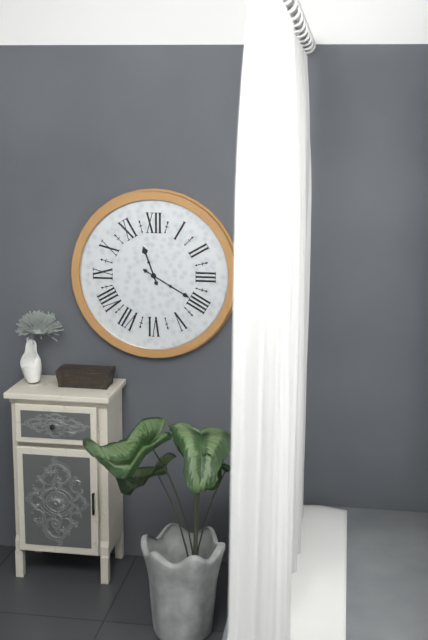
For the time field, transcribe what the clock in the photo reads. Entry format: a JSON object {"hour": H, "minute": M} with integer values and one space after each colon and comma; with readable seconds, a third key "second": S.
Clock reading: {"hour": 11, "minute": 20}
